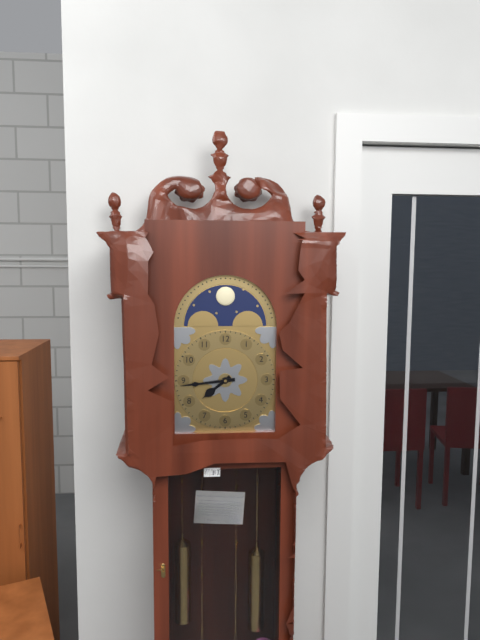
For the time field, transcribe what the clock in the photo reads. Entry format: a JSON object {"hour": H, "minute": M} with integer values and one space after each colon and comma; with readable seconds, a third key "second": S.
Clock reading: {"hour": 7, "minute": 44}
